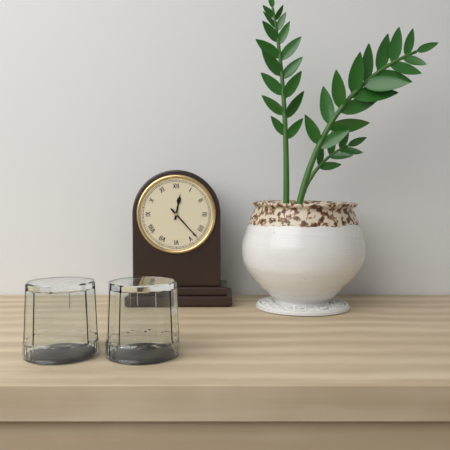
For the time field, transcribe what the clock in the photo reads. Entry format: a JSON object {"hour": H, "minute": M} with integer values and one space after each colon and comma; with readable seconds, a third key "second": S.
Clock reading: {"hour": 12, "minute": 23}
